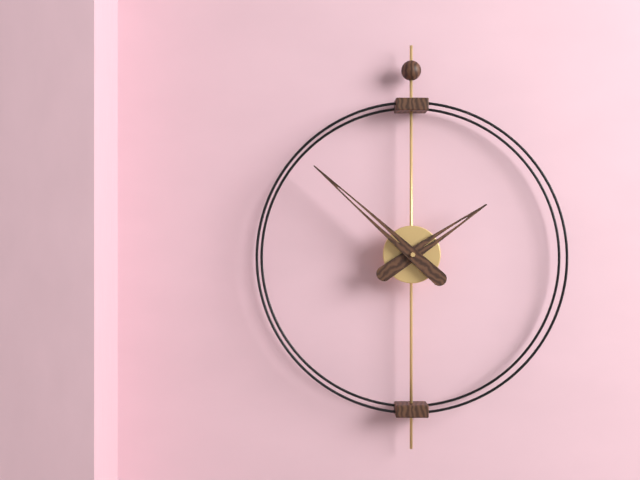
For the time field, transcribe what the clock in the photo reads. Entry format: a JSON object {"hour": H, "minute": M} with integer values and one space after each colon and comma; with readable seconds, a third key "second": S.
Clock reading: {"hour": 1, "minute": 52}
